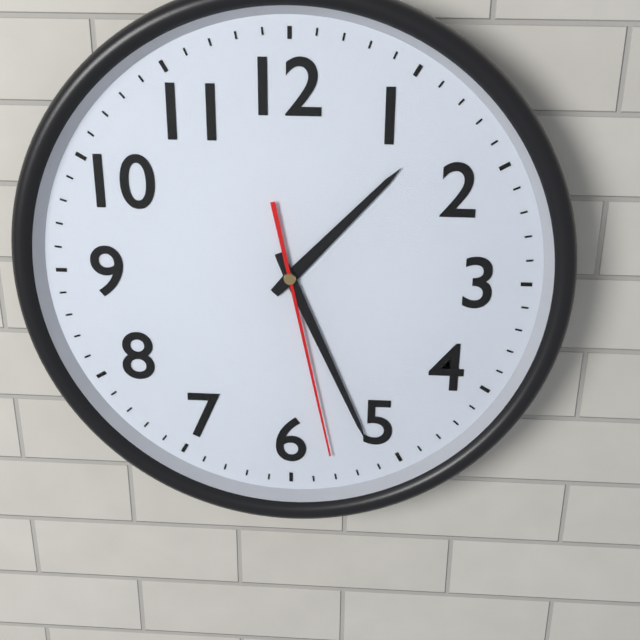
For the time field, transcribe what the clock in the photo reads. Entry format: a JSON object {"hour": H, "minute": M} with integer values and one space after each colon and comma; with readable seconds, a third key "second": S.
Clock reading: {"hour": 1, "minute": 26, "second": 28}
